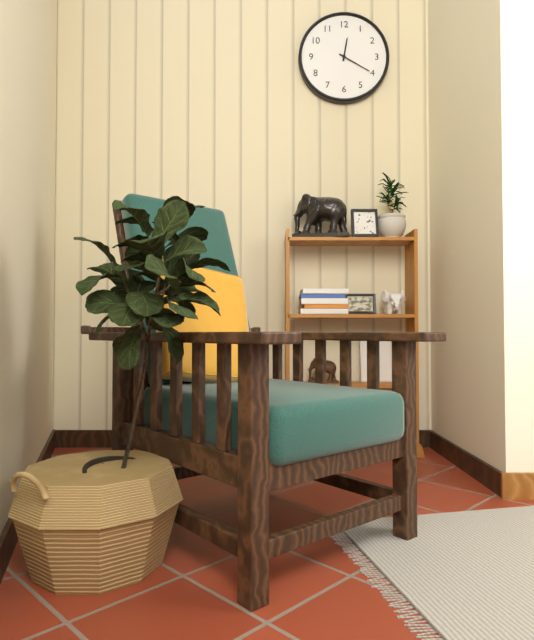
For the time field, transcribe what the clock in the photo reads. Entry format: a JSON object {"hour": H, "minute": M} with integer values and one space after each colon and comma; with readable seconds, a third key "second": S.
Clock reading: {"hour": 12, "minute": 20}
